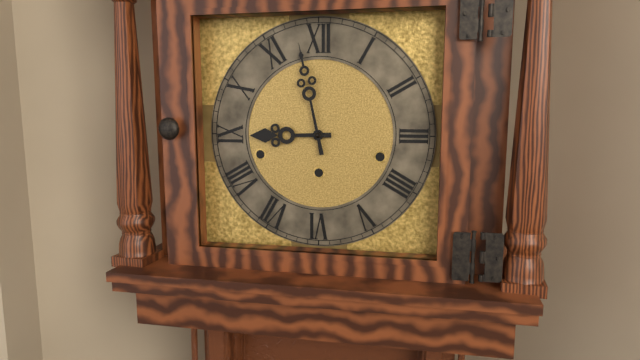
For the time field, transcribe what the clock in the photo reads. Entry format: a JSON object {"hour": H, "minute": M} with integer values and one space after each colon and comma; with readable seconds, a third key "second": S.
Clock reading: {"hour": 8, "minute": 58}
